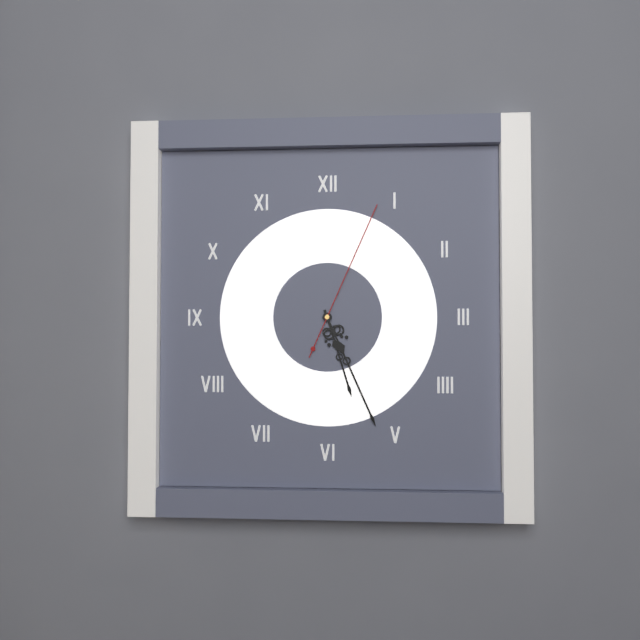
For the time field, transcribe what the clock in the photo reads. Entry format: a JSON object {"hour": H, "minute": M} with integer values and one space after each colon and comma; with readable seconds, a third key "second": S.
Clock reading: {"hour": 5, "minute": 26, "second": 4}
